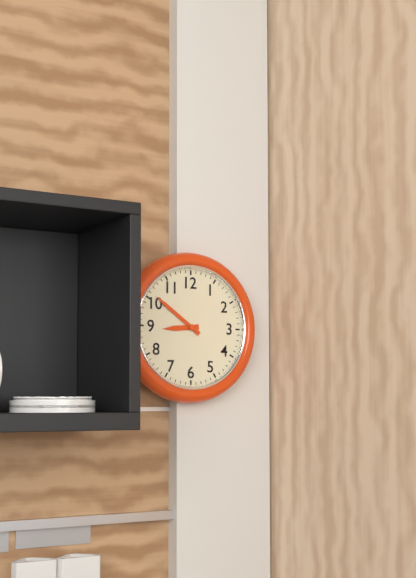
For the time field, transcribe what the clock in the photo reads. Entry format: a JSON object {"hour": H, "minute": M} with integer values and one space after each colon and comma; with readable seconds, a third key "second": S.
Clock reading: {"hour": 8, "minute": 51}
